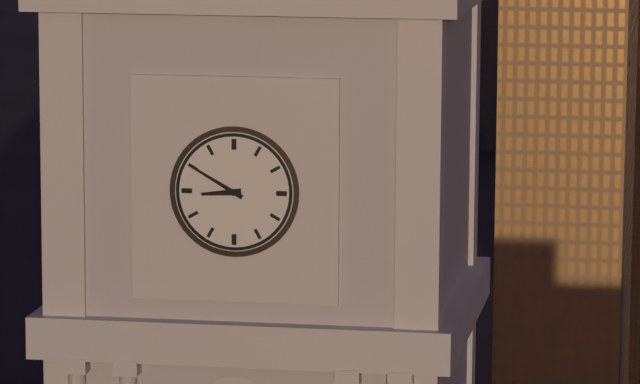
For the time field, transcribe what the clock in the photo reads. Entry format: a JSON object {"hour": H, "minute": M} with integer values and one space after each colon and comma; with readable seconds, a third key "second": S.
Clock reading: {"hour": 8, "minute": 50}
